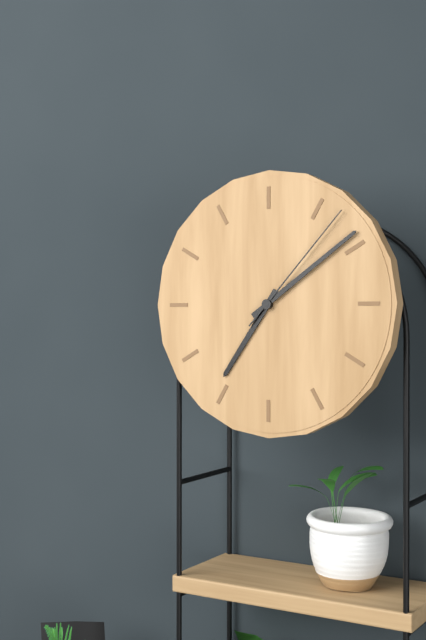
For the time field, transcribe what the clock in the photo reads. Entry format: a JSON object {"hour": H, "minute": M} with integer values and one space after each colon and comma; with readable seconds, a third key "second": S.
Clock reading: {"hour": 7, "minute": 9, "second": 7}
